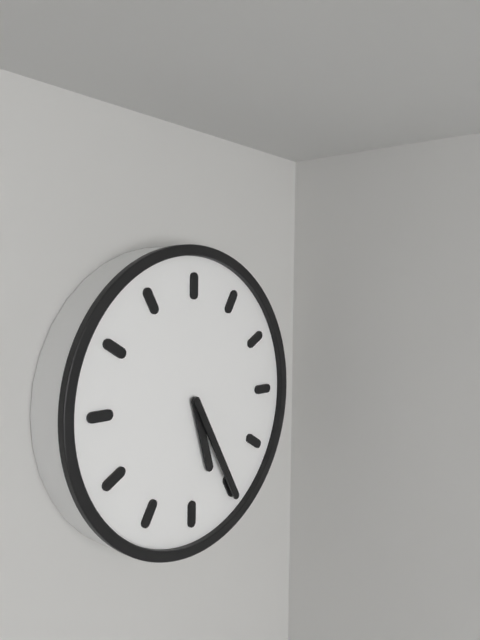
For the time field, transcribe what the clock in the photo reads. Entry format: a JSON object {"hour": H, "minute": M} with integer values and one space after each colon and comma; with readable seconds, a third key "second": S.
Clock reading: {"hour": 5, "minute": 25}
